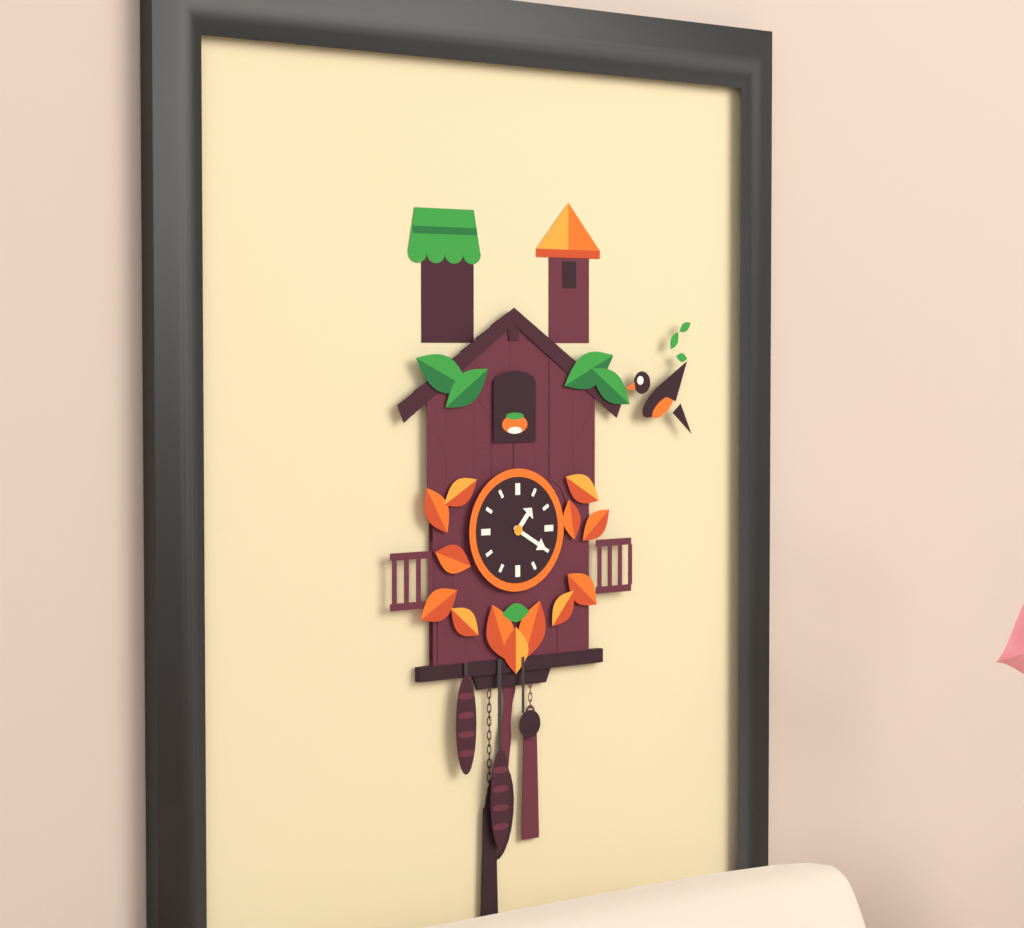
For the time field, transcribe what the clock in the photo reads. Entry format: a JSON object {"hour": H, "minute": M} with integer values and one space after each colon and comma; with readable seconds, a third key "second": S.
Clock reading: {"hour": 1, "minute": 20}
